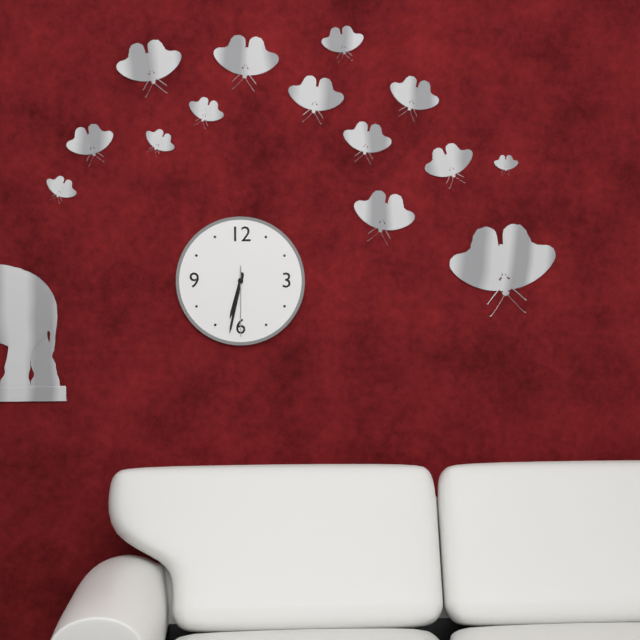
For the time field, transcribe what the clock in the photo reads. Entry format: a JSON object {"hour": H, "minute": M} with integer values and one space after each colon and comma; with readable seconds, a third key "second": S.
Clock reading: {"hour": 6, "minute": 32, "second": 30}
